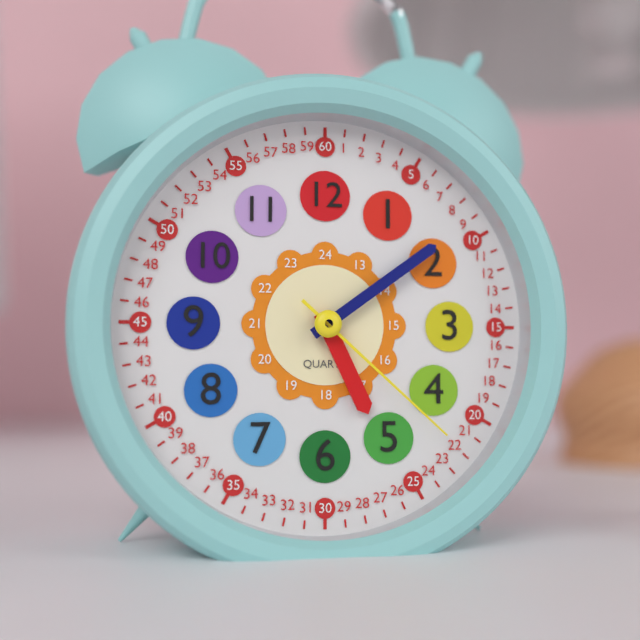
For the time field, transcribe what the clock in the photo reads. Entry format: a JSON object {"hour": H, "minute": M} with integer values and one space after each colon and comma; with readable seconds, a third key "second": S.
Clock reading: {"hour": 5, "minute": 9, "second": 22}
